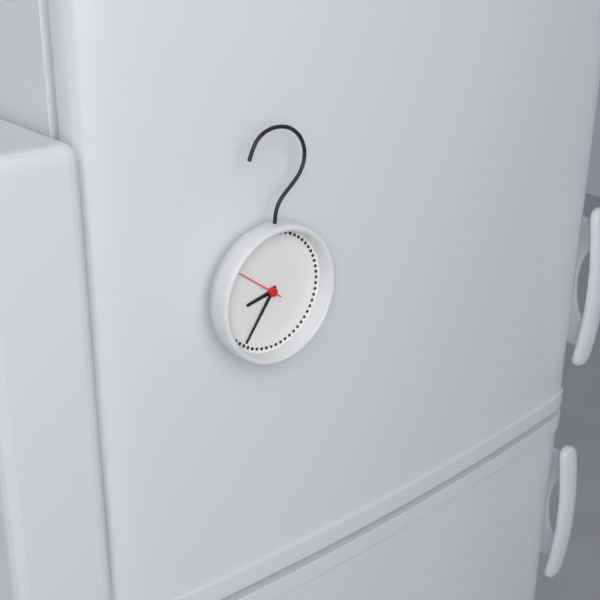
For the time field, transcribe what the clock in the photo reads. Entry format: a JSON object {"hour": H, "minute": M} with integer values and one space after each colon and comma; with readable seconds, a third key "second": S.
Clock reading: {"hour": 8, "minute": 36, "second": 51}
